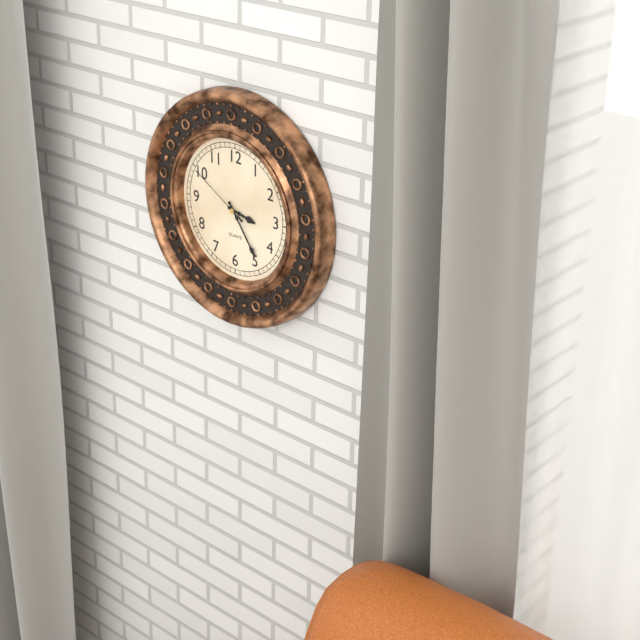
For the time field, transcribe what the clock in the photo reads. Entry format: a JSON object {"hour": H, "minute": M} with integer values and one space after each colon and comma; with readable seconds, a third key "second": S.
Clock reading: {"hour": 3, "minute": 24, "second": 50}
